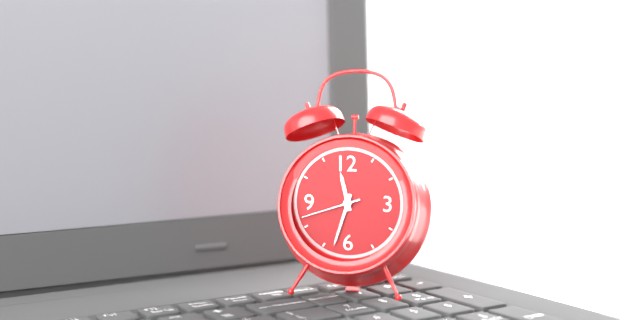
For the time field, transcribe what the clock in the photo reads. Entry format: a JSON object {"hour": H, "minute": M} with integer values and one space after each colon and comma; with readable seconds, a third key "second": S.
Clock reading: {"hour": 11, "minute": 33, "second": 42}
